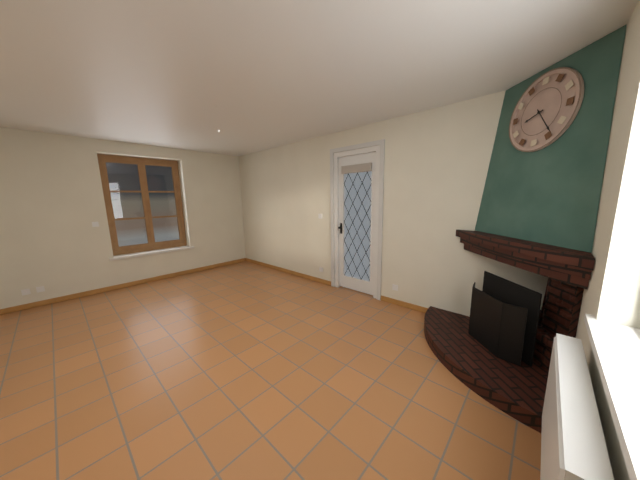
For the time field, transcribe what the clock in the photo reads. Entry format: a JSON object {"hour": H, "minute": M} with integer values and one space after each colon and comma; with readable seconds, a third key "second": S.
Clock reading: {"hour": 8, "minute": 24}
